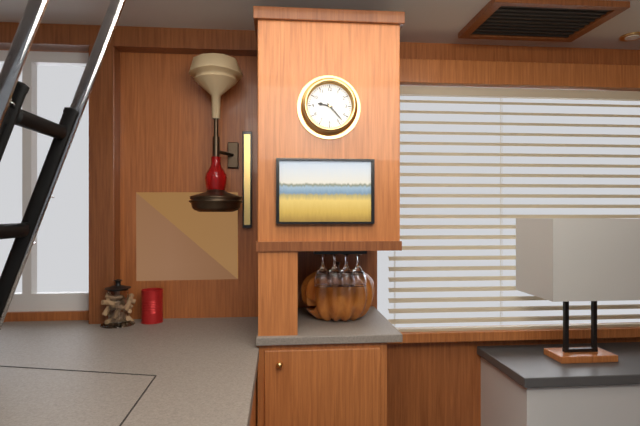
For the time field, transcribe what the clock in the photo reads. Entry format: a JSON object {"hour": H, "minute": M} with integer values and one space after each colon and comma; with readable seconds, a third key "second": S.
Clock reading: {"hour": 9, "minute": 23}
